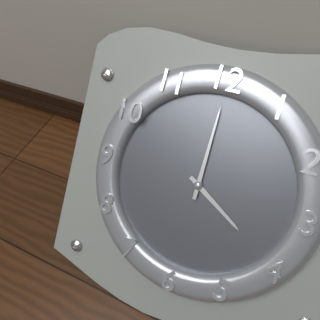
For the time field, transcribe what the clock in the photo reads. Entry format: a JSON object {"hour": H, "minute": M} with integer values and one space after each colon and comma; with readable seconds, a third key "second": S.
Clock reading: {"hour": 4, "minute": 0}
